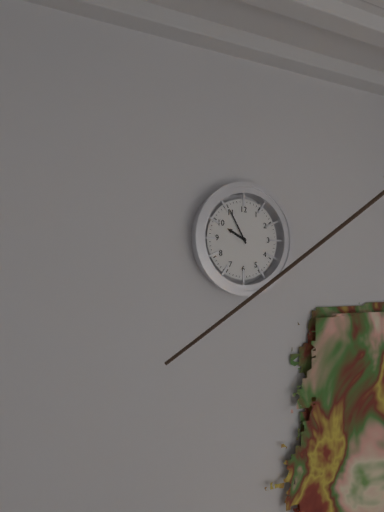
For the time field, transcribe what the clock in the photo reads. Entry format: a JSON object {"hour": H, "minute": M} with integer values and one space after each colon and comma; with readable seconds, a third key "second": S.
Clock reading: {"hour": 9, "minute": 55}
